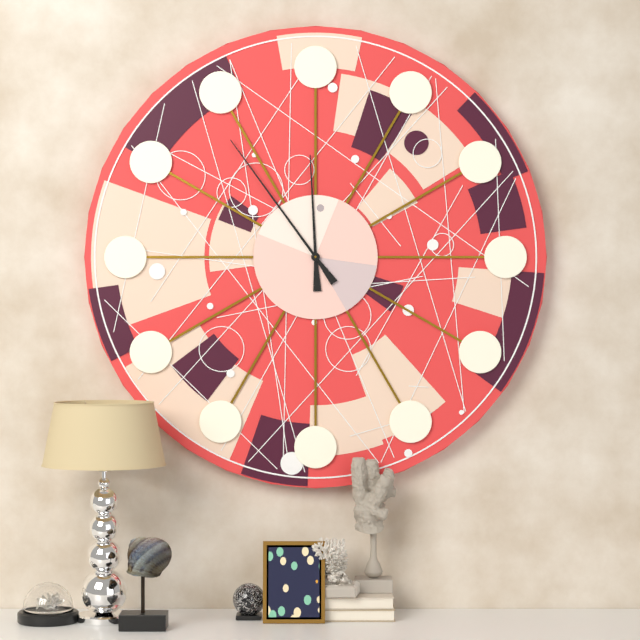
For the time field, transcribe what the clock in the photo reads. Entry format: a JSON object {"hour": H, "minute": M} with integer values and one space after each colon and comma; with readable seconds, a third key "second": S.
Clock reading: {"hour": 11, "minute": 54}
